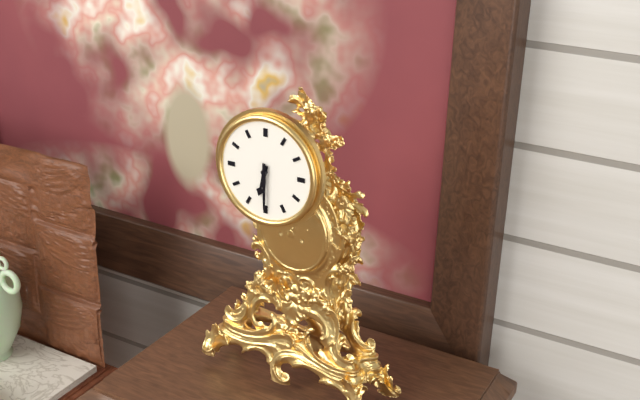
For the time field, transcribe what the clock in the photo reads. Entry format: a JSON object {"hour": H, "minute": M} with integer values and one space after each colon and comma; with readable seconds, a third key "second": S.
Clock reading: {"hour": 6, "minute": 30}
